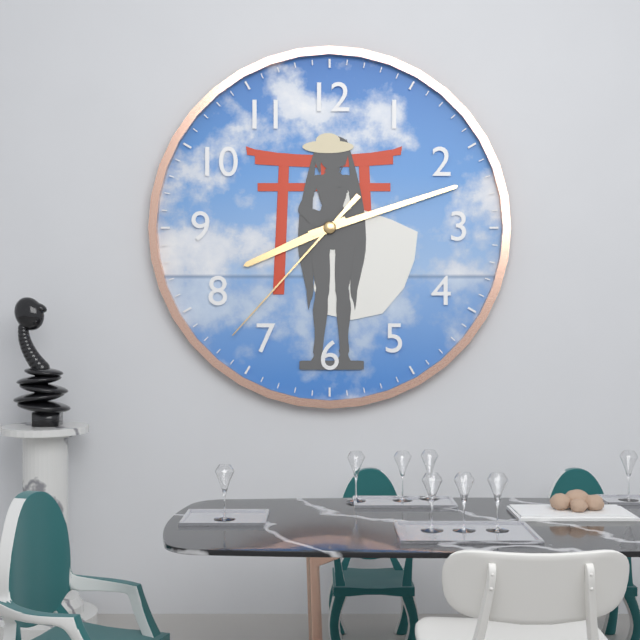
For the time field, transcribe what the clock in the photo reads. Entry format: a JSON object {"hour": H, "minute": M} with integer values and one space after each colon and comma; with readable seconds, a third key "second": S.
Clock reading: {"hour": 8, "minute": 12, "second": 37}
